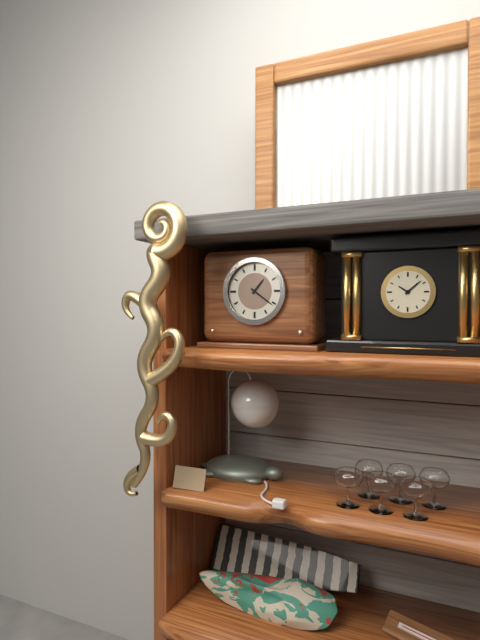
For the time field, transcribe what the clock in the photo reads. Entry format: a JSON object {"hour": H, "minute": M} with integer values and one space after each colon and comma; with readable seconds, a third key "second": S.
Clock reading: {"hour": 1, "minute": 21}
